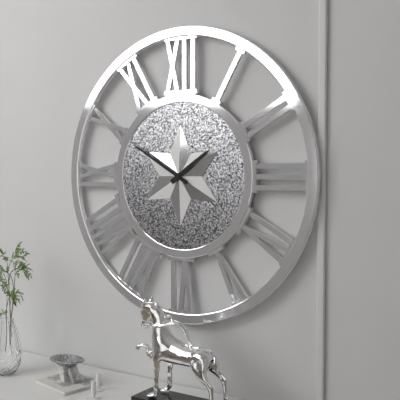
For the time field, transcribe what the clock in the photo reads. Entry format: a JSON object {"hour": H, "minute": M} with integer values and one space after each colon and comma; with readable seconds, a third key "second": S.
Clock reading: {"hour": 1, "minute": 50}
